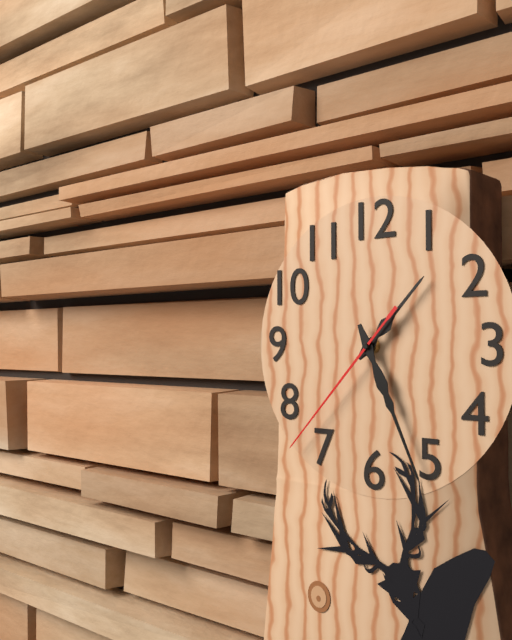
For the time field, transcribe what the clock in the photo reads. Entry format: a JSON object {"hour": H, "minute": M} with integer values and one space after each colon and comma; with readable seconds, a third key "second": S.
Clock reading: {"hour": 1, "minute": 26, "second": 37}
